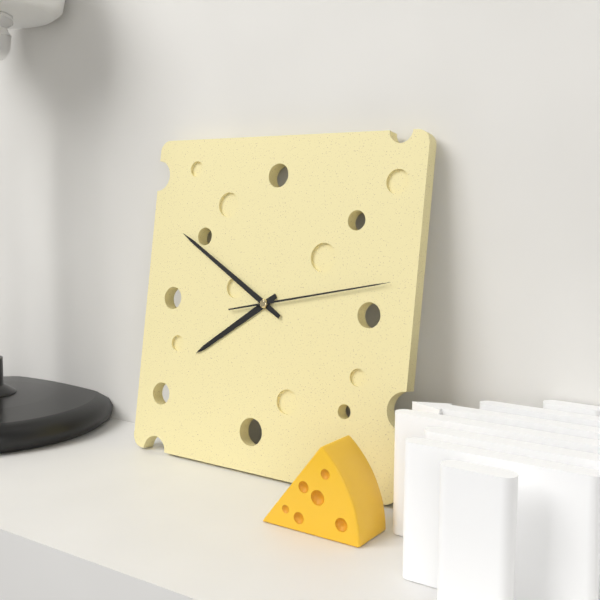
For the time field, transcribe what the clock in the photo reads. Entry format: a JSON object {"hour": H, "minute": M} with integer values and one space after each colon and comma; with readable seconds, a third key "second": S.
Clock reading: {"hour": 7, "minute": 50, "second": 13}
